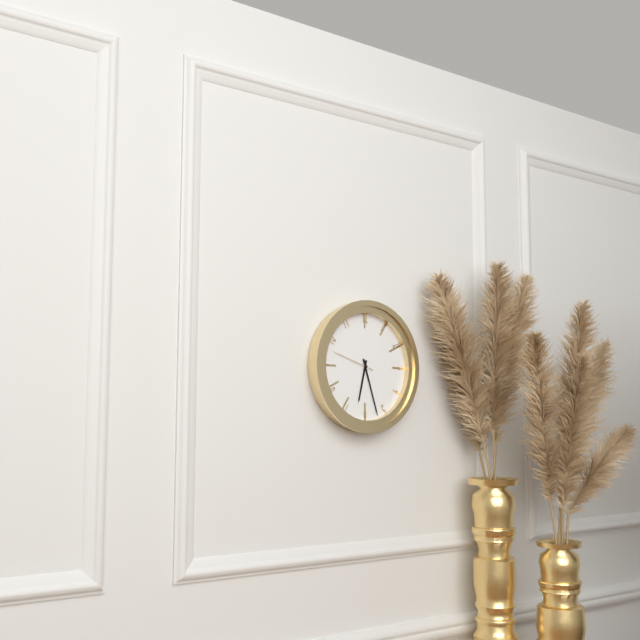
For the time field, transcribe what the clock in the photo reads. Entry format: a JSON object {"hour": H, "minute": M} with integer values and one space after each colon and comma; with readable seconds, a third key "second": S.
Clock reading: {"hour": 6, "minute": 27}
